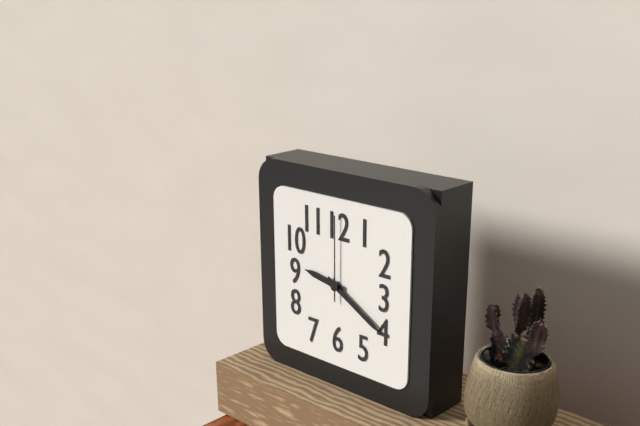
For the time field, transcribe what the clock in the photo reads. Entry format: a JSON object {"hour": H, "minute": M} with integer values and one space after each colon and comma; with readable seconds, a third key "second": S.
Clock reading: {"hour": 9, "minute": 20, "second": 0}
